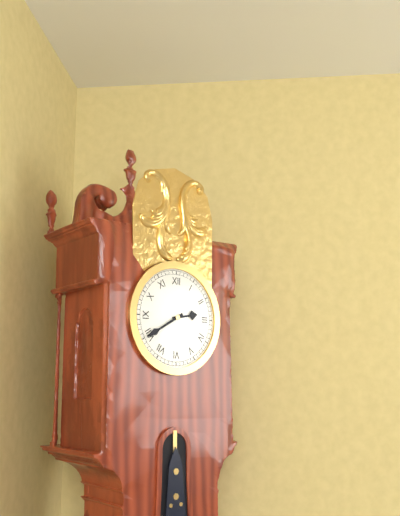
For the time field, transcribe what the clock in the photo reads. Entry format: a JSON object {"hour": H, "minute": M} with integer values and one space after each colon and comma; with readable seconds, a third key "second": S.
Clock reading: {"hour": 2, "minute": 40}
